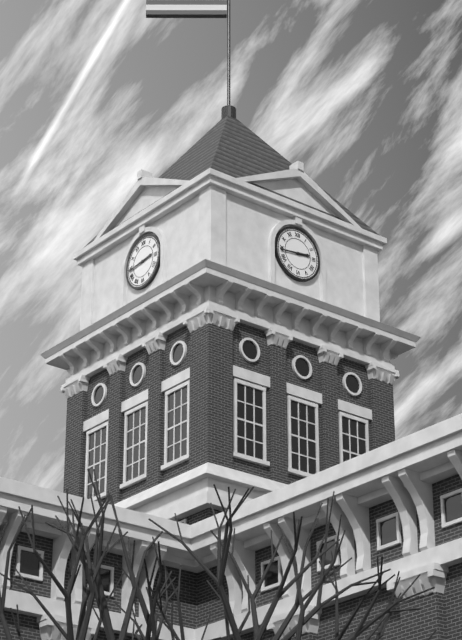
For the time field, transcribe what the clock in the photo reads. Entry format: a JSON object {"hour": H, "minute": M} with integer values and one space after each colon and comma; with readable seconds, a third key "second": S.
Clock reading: {"hour": 2, "minute": 44}
